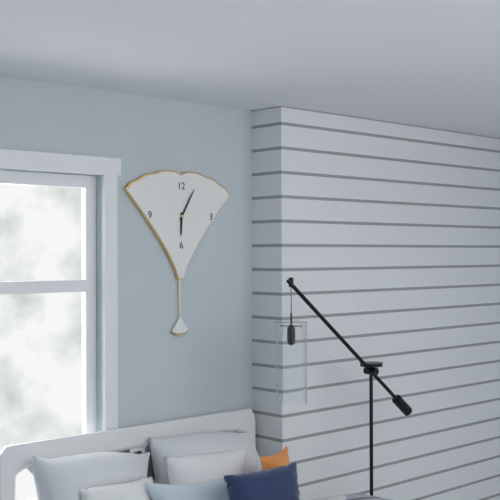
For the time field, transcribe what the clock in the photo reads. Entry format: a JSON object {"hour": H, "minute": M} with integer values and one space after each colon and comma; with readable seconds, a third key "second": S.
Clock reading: {"hour": 6, "minute": 5}
